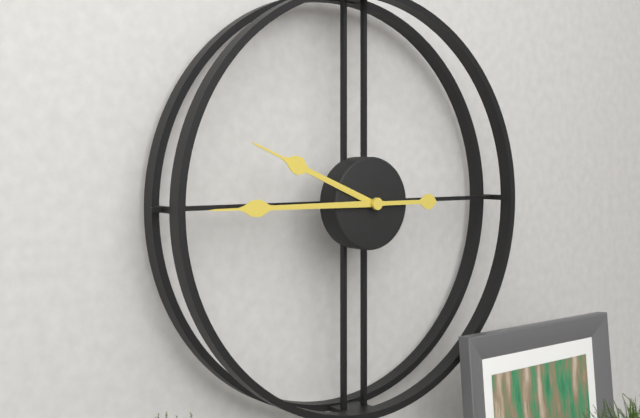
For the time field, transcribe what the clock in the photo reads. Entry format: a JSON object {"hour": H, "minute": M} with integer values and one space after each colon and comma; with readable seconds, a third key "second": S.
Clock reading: {"hour": 9, "minute": 45}
